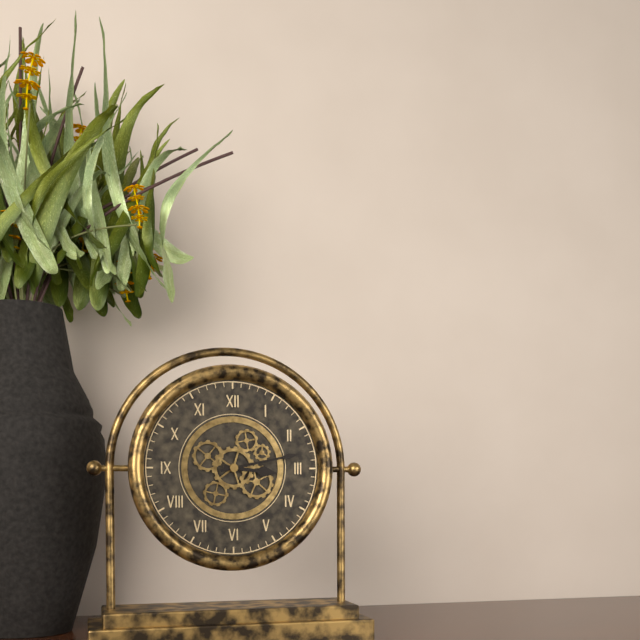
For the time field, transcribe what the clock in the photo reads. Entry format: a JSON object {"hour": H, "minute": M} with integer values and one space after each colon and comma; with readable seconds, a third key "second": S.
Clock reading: {"hour": 3, "minute": 13}
